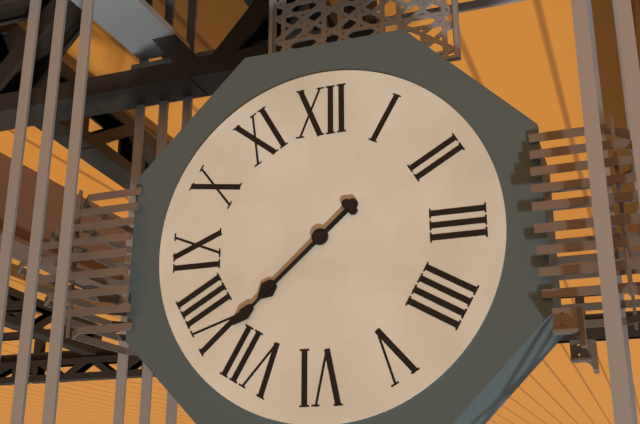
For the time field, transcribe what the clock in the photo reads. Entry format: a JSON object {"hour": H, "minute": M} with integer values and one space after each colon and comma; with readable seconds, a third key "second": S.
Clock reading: {"hour": 7, "minute": 38}
